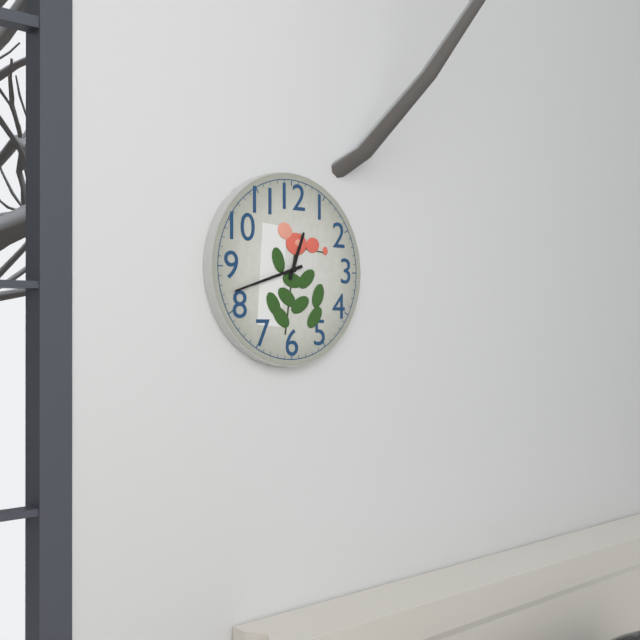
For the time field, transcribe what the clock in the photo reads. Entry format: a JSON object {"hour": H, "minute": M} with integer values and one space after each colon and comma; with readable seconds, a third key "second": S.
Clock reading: {"hour": 12, "minute": 42}
